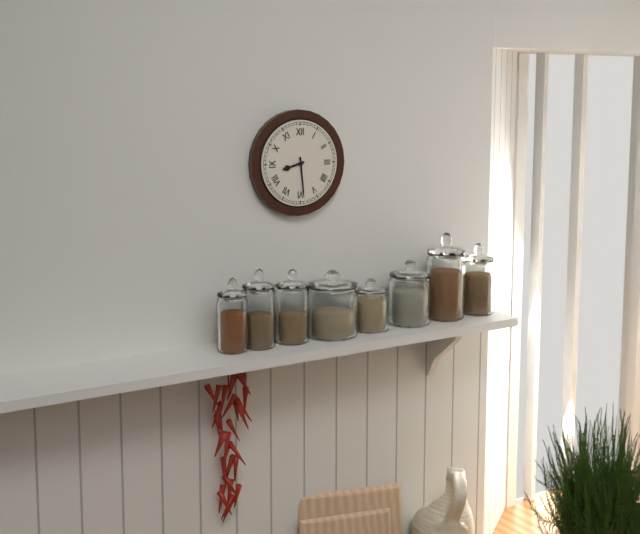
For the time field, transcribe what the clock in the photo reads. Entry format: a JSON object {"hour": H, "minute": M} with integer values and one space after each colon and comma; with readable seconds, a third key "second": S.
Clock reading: {"hour": 8, "minute": 29}
